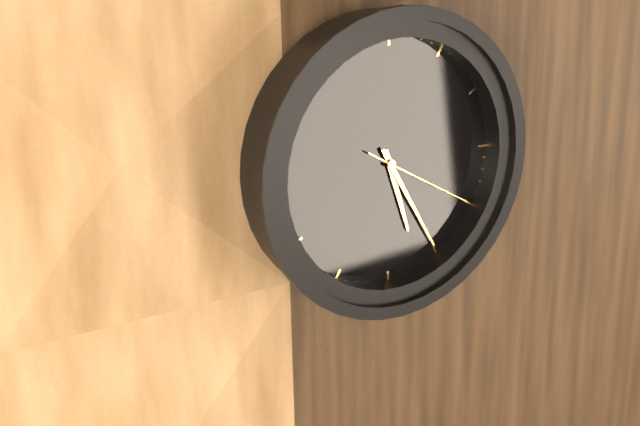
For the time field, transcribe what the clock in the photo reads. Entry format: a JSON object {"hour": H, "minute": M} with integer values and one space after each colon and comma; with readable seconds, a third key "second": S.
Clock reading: {"hour": 5, "minute": 25, "second": 20}
